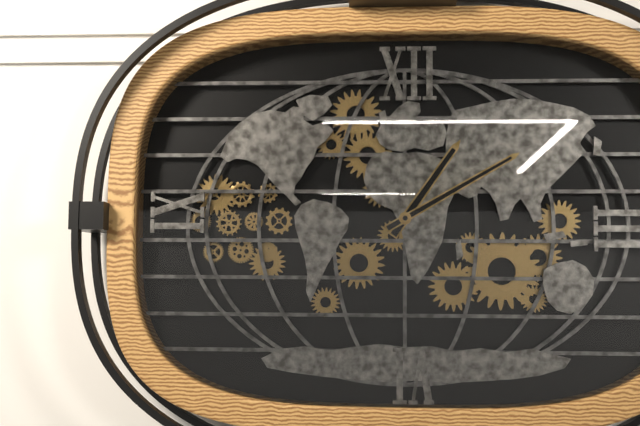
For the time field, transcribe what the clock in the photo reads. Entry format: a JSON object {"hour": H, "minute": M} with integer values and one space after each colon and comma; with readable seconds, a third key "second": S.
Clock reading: {"hour": 1, "minute": 10}
